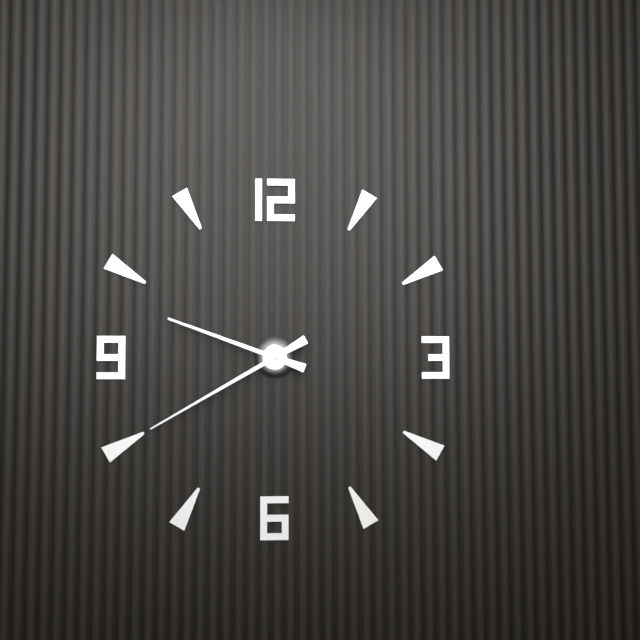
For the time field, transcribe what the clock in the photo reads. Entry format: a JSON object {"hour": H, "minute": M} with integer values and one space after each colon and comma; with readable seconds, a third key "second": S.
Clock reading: {"hour": 9, "minute": 40}
